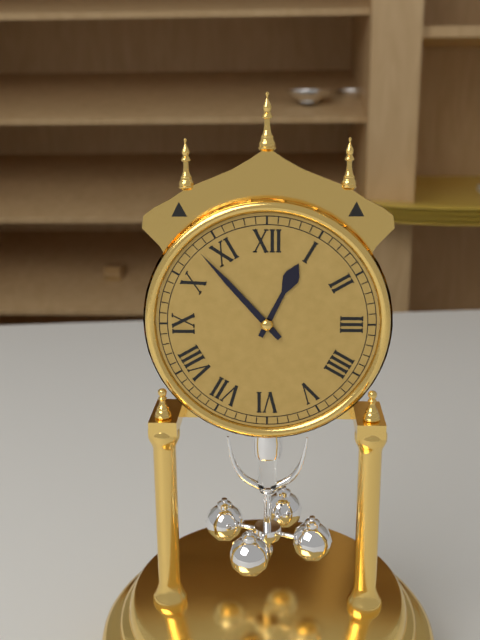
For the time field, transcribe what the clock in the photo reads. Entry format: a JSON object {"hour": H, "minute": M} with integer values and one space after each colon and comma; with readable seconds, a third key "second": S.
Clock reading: {"hour": 12, "minute": 53}
